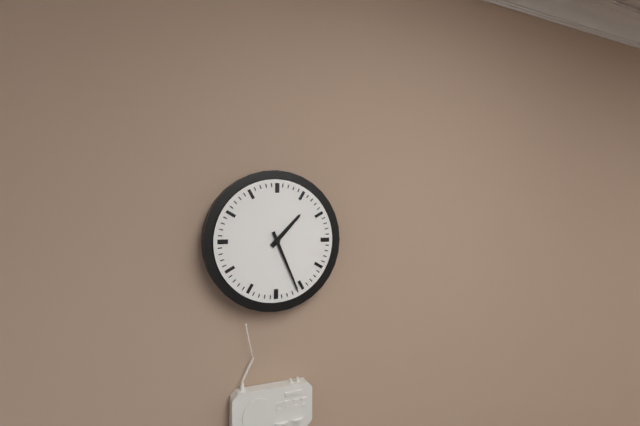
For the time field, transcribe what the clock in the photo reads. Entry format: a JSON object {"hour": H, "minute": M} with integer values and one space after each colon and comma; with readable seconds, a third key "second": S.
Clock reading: {"hour": 1, "minute": 26}
